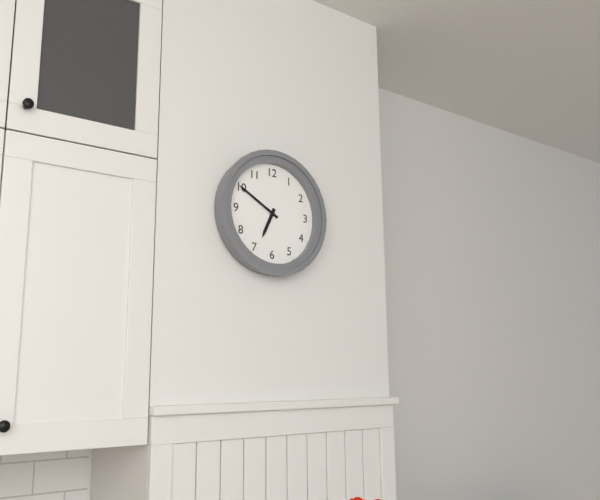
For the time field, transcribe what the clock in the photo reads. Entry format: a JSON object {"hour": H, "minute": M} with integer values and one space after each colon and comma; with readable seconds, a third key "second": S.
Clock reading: {"hour": 6, "minute": 50}
